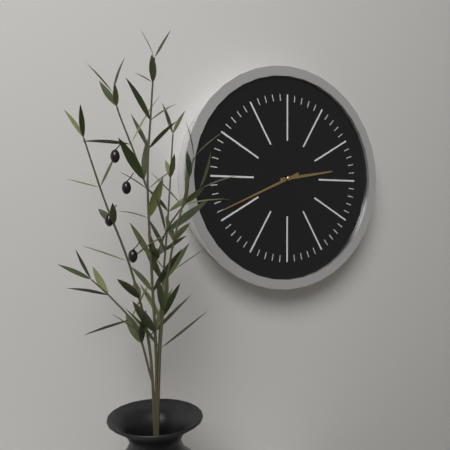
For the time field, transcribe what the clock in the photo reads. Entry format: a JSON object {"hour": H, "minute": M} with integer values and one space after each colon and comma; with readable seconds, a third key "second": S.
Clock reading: {"hour": 2, "minute": 41}
